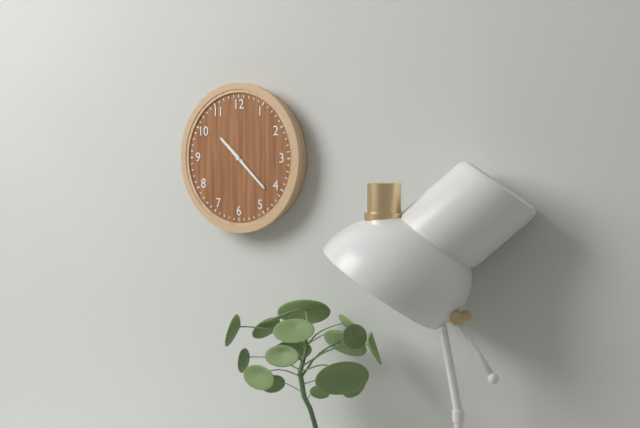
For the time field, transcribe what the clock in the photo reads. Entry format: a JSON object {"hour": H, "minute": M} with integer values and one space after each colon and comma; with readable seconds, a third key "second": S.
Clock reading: {"hour": 10, "minute": 22}
